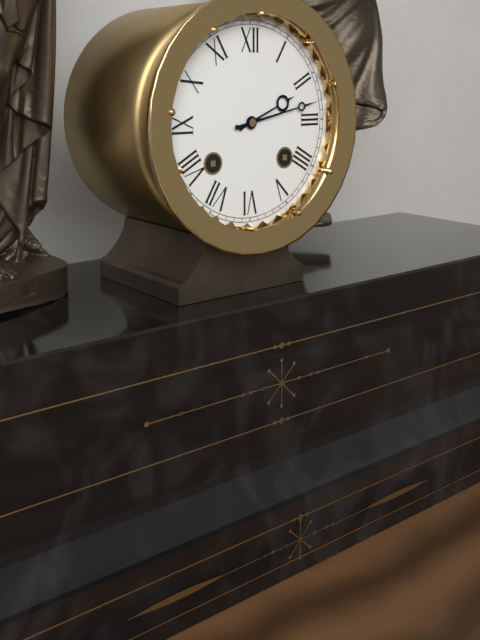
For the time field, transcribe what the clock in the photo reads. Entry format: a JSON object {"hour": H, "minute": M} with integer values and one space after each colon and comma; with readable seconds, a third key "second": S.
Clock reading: {"hour": 2, "minute": 13}
